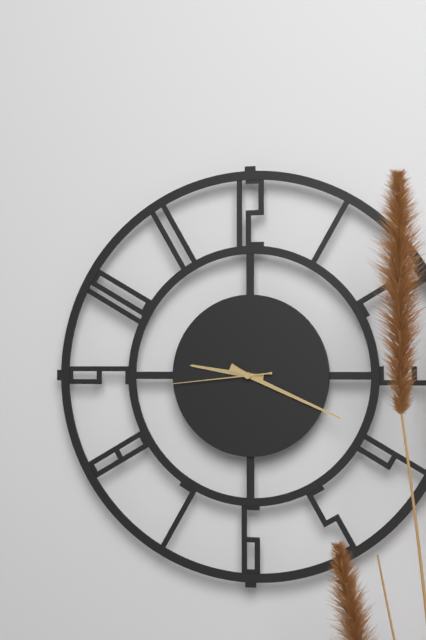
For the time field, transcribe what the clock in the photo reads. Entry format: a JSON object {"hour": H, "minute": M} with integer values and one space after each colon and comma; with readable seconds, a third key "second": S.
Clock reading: {"hour": 9, "minute": 19, "second": 44}
